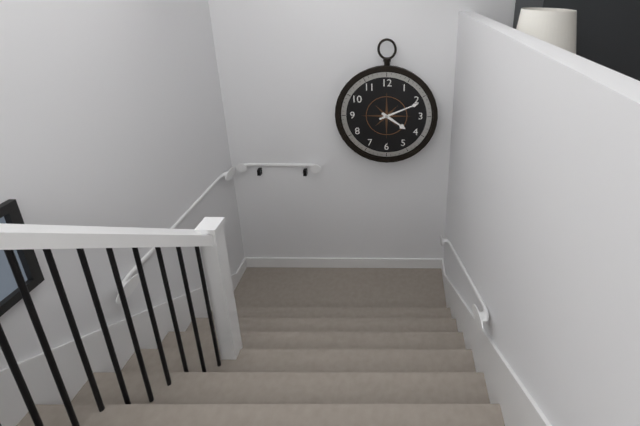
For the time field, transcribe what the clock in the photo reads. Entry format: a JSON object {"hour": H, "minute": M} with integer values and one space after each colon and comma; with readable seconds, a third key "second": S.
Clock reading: {"hour": 4, "minute": 11}
